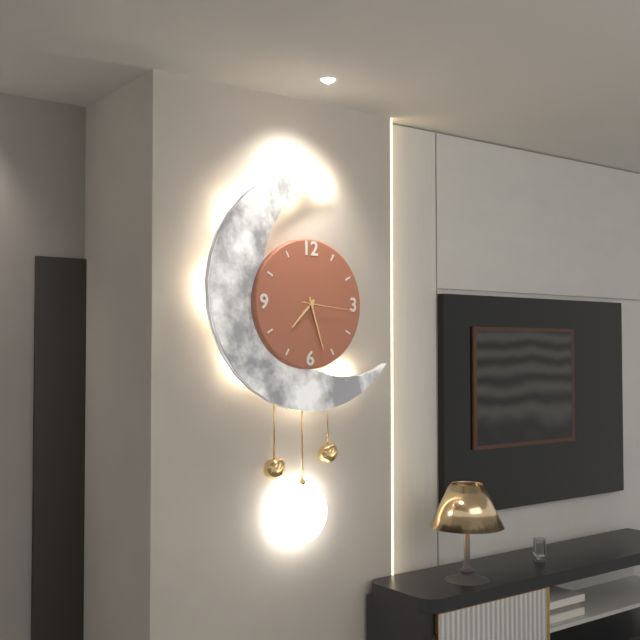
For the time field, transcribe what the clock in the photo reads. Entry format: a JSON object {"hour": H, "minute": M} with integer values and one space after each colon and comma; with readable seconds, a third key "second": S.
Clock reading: {"hour": 7, "minute": 27, "second": 16}
